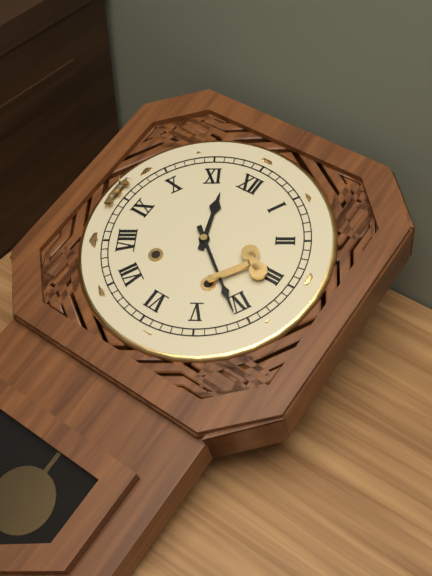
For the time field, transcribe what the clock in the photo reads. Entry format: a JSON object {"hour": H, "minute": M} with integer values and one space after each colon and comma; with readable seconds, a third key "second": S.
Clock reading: {"hour": 11, "minute": 21}
